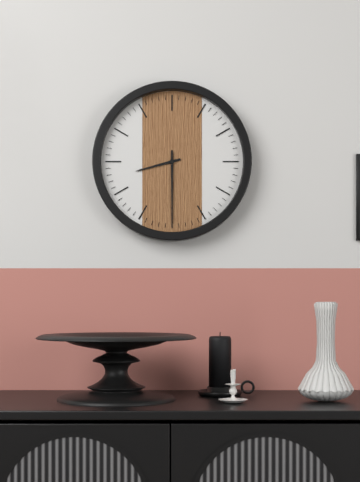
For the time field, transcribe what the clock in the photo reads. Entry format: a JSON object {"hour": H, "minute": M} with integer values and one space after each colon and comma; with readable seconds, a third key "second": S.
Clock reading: {"hour": 8, "minute": 30}
